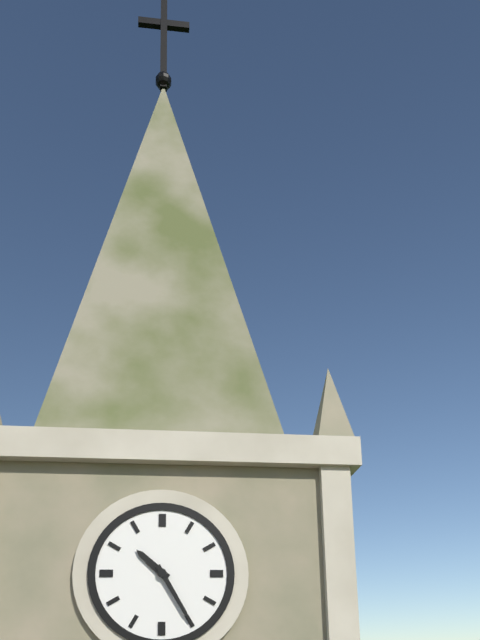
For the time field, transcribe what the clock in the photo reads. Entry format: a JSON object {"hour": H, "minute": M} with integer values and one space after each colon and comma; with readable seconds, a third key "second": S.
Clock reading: {"hour": 10, "minute": 25}
